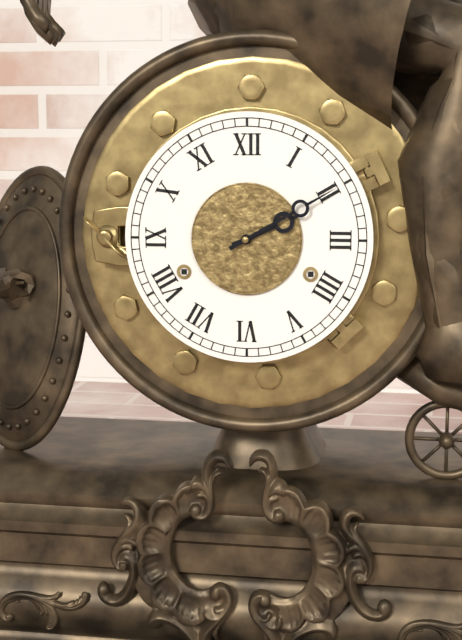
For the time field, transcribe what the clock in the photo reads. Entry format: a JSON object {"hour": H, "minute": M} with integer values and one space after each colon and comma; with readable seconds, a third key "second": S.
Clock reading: {"hour": 2, "minute": 10}
